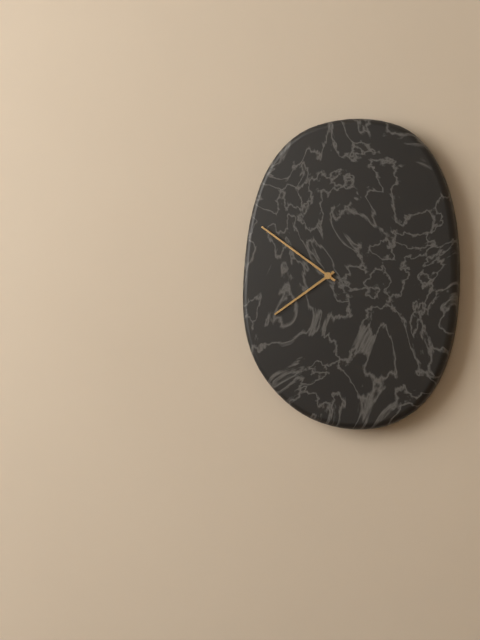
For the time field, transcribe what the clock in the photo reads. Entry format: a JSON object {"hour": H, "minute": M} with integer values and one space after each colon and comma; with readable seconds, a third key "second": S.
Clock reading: {"hour": 7, "minute": 51}
